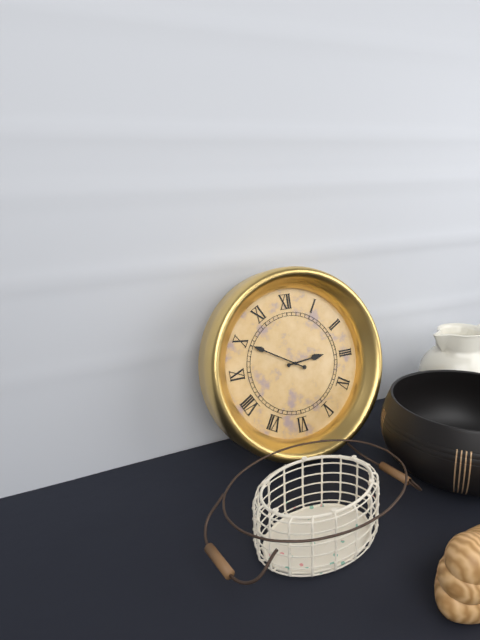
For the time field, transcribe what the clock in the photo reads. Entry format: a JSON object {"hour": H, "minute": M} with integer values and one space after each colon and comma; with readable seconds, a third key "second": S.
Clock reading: {"hour": 2, "minute": 50}
